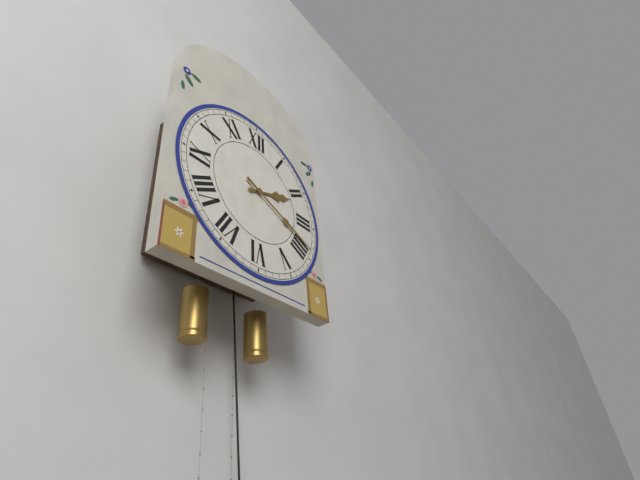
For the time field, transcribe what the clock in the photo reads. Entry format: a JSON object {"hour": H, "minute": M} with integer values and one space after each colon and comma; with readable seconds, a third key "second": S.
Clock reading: {"hour": 2, "minute": 19}
